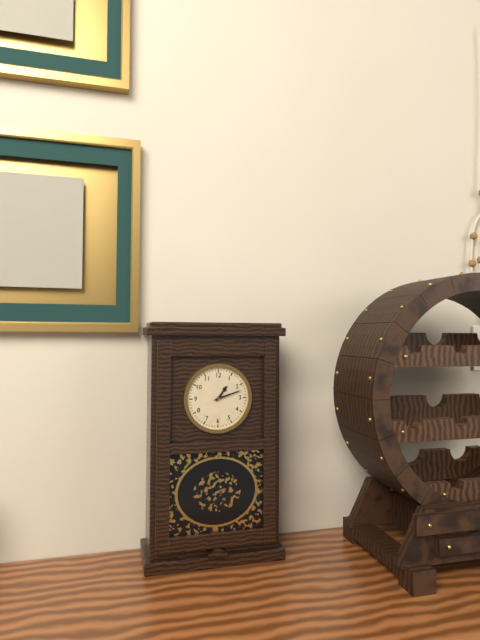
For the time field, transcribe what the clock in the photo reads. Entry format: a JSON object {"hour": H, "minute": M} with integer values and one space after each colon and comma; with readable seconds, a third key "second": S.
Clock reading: {"hour": 1, "minute": 12}
